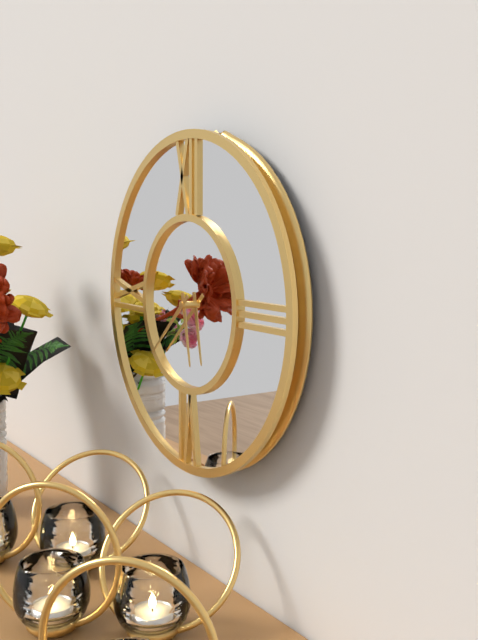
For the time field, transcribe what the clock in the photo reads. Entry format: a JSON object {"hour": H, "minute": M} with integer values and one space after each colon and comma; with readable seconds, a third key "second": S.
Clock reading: {"hour": 5, "minute": 38}
